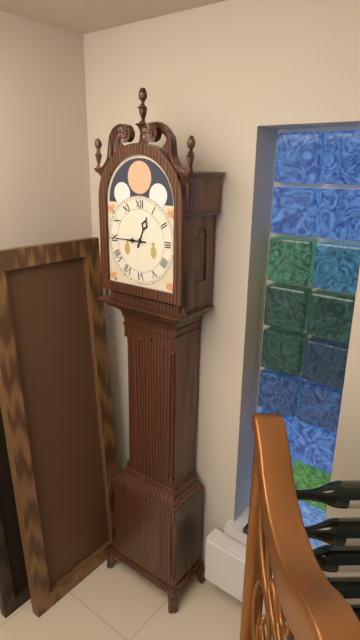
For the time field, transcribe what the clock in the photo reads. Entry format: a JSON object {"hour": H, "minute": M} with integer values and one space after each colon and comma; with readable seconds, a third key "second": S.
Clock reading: {"hour": 12, "minute": 45}
